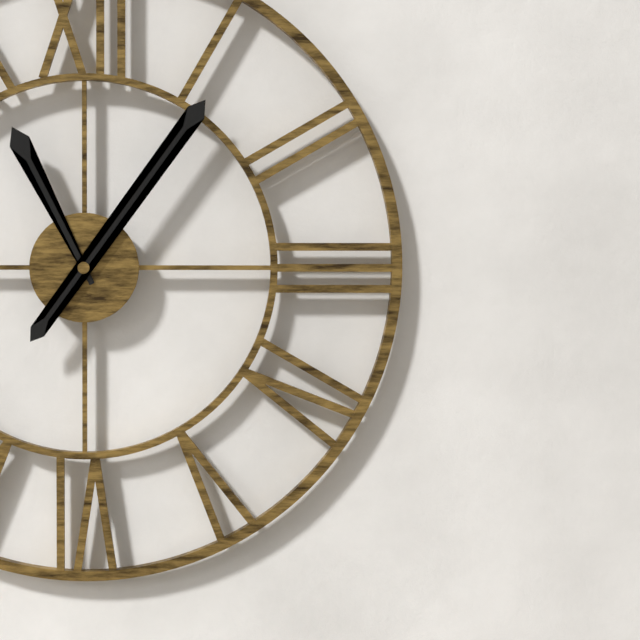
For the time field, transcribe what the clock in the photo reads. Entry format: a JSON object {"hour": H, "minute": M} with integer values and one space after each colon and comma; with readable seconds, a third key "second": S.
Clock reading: {"hour": 11, "minute": 6}
